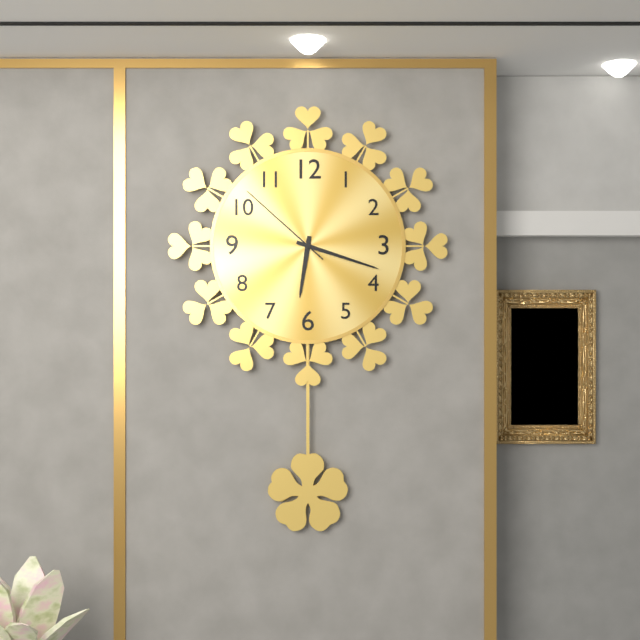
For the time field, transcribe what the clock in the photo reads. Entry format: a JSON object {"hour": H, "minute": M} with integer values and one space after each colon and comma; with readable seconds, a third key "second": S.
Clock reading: {"hour": 6, "minute": 18, "second": 52}
